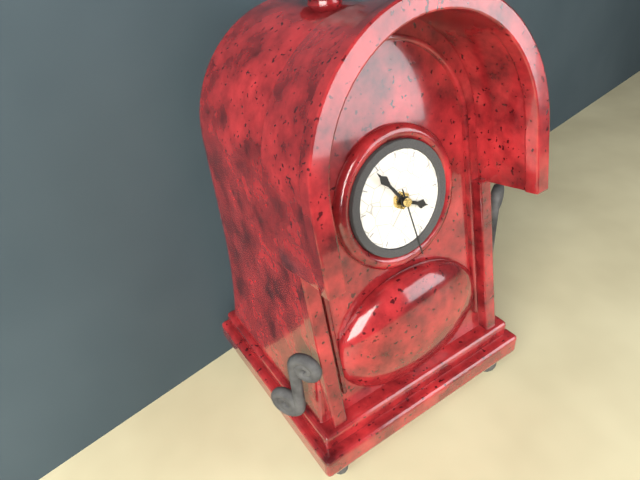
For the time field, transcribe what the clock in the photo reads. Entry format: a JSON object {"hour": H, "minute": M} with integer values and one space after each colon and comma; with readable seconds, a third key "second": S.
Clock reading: {"hour": 3, "minute": 54, "second": 28}
